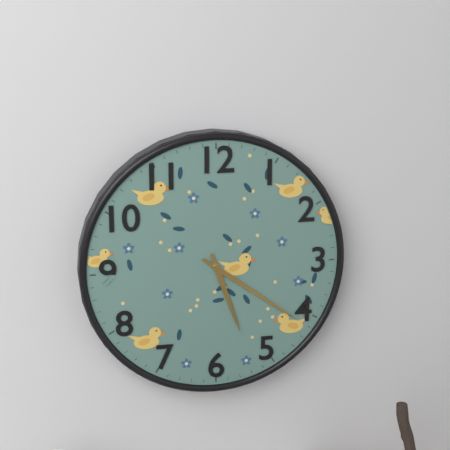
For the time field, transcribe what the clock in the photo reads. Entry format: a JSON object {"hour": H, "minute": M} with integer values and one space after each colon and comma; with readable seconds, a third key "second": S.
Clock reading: {"hour": 5, "minute": 21}
